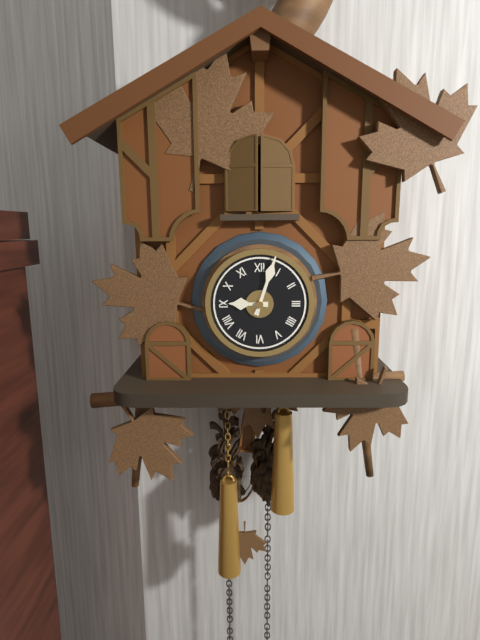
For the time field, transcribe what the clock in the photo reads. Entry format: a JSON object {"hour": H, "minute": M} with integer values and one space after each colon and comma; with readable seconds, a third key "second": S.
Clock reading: {"hour": 9, "minute": 3}
